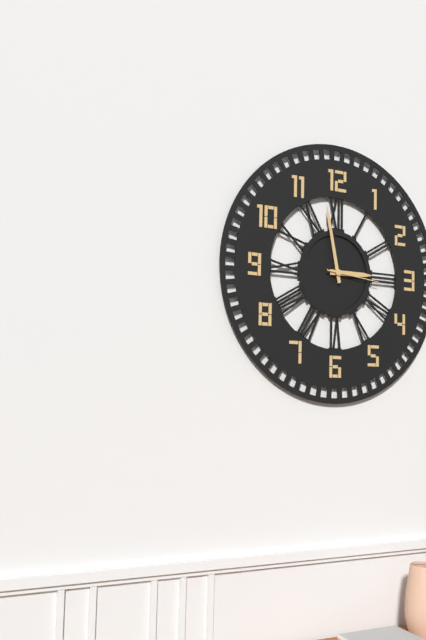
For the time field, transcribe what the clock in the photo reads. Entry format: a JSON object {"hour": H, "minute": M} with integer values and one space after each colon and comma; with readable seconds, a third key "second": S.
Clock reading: {"hour": 2, "minute": 58, "second": 16}
